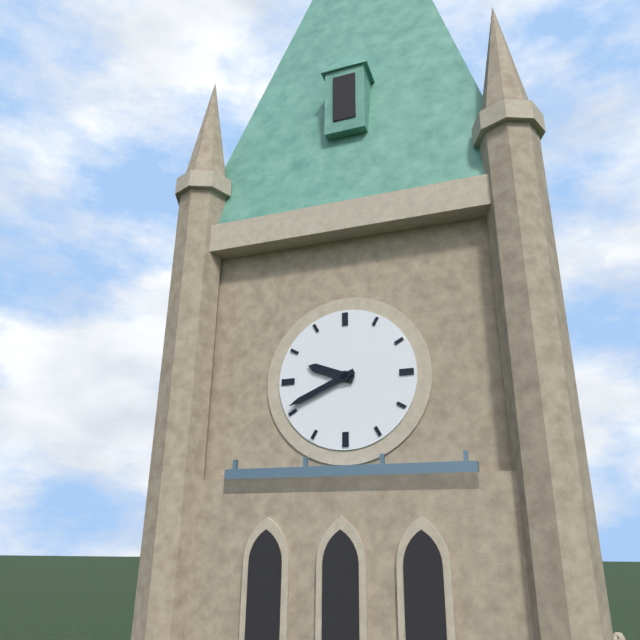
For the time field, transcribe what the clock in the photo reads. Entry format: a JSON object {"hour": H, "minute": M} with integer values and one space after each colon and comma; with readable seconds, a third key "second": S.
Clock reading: {"hour": 9, "minute": 41}
